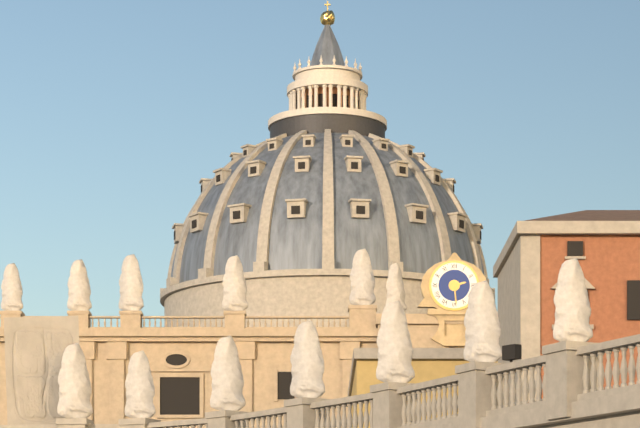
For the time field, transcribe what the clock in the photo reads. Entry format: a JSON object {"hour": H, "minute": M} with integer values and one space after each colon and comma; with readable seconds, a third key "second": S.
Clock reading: {"hour": 2, "minute": 29}
